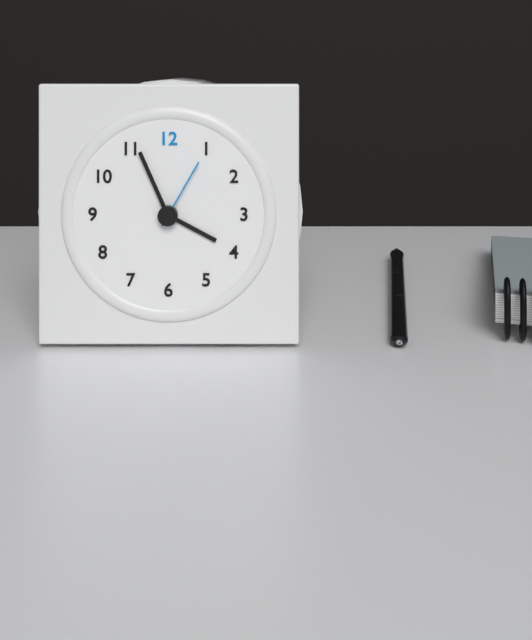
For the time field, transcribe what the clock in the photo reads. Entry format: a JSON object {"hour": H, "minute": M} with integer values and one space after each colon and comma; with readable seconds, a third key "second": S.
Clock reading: {"hour": 3, "minute": 56, "second": 5}
